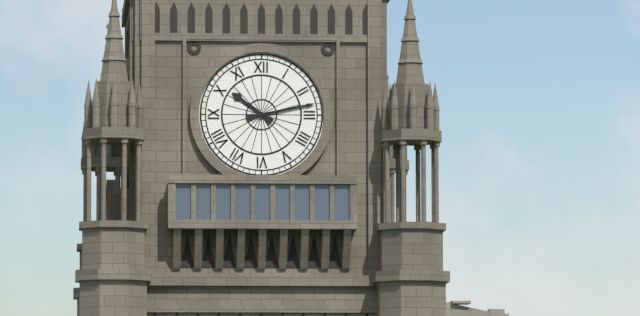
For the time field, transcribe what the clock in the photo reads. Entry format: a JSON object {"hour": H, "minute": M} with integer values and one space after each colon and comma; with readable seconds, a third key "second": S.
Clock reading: {"hour": 10, "minute": 13}
